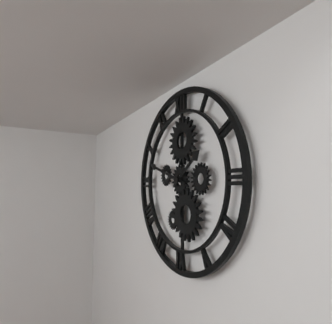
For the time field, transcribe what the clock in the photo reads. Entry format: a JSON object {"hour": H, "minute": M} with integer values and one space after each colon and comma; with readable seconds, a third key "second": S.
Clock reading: {"hour": 1, "minute": 48}
